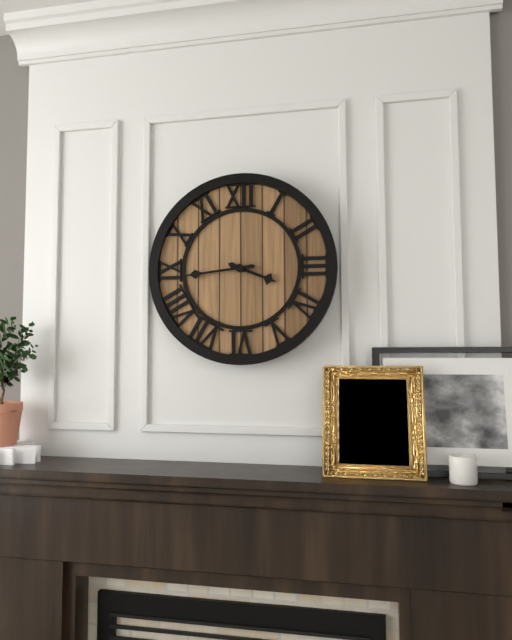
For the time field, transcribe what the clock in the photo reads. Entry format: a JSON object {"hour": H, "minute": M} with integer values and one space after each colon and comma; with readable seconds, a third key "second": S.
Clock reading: {"hour": 3, "minute": 44}
